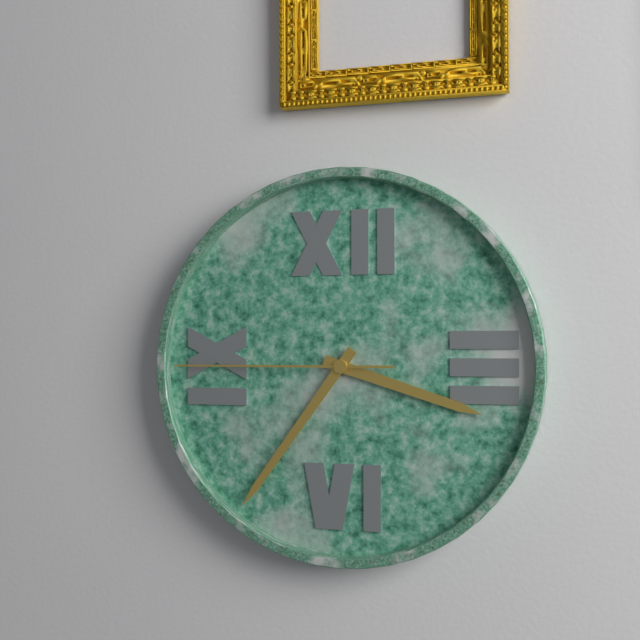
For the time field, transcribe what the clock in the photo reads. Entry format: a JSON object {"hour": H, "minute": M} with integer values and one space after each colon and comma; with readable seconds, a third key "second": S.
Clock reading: {"hour": 3, "minute": 36, "second": 45}
